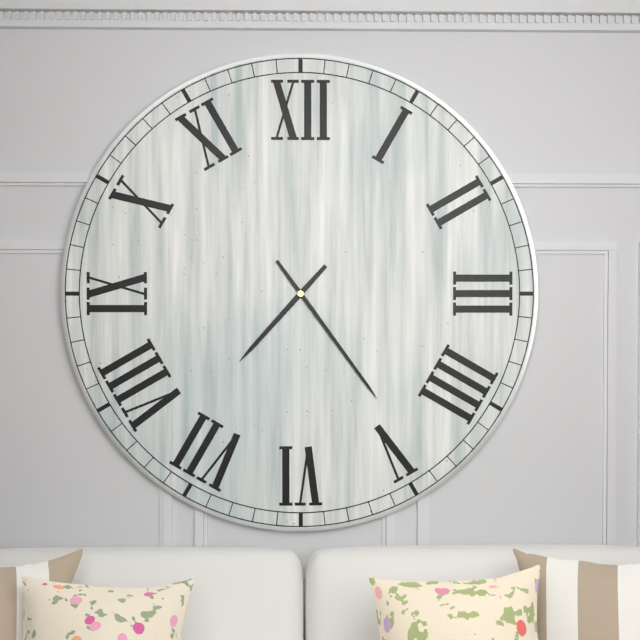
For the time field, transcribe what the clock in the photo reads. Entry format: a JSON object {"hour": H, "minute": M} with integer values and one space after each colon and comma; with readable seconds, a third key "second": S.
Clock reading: {"hour": 7, "minute": 24}
